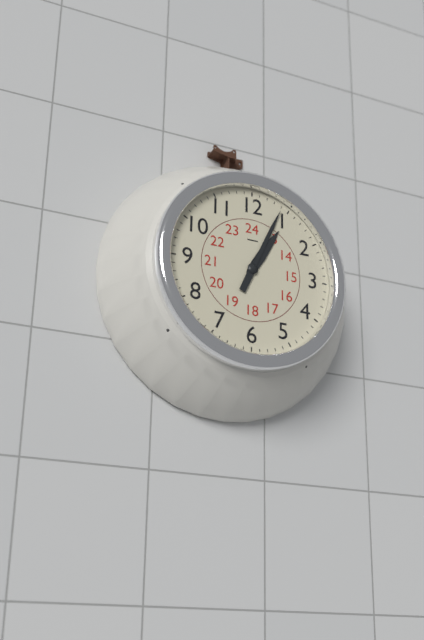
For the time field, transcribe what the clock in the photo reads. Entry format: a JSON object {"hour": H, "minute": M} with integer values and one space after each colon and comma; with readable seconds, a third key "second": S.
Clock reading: {"hour": 1, "minute": 4}
